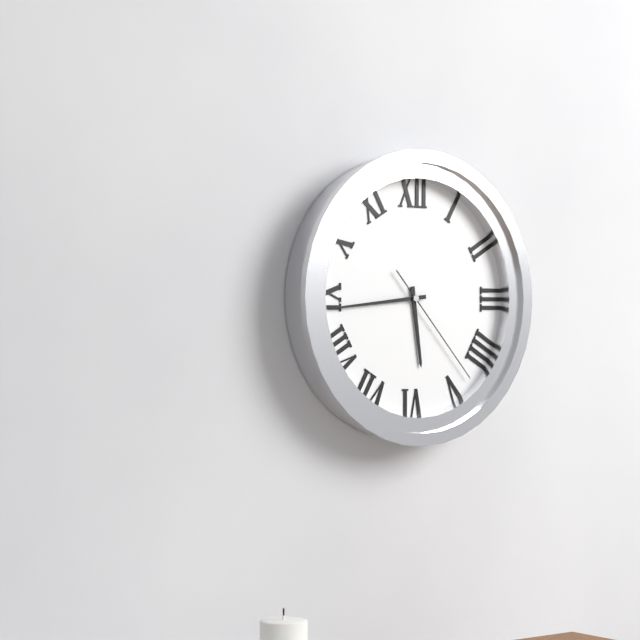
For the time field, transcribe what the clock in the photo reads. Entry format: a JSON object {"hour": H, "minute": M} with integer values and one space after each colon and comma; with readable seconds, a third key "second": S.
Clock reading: {"hour": 5, "minute": 44, "second": 23}
